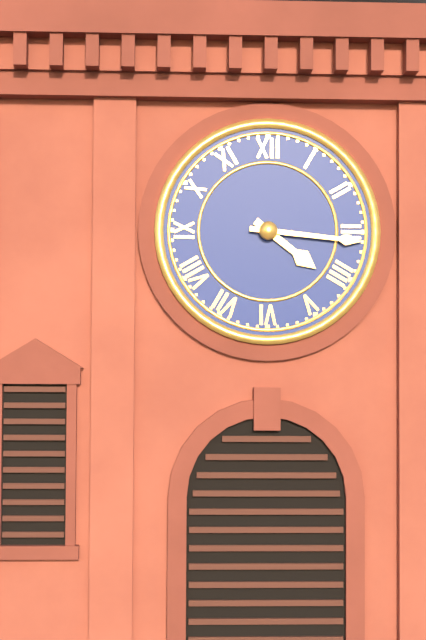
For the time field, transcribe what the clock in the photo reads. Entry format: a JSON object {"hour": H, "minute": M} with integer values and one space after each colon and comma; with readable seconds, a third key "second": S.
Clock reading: {"hour": 4, "minute": 16}
